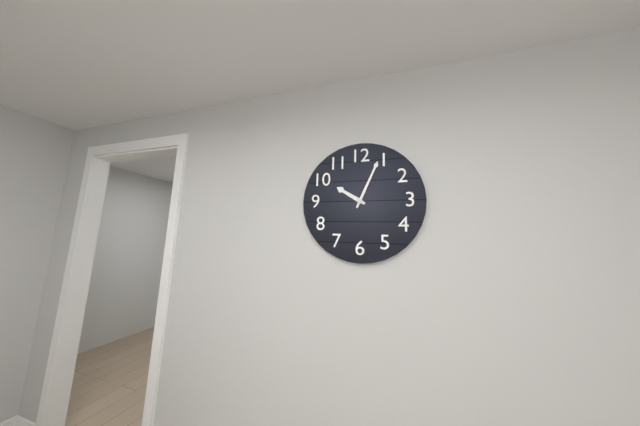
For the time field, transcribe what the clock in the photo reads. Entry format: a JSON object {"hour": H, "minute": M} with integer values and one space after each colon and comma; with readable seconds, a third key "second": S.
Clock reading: {"hour": 10, "minute": 4}
